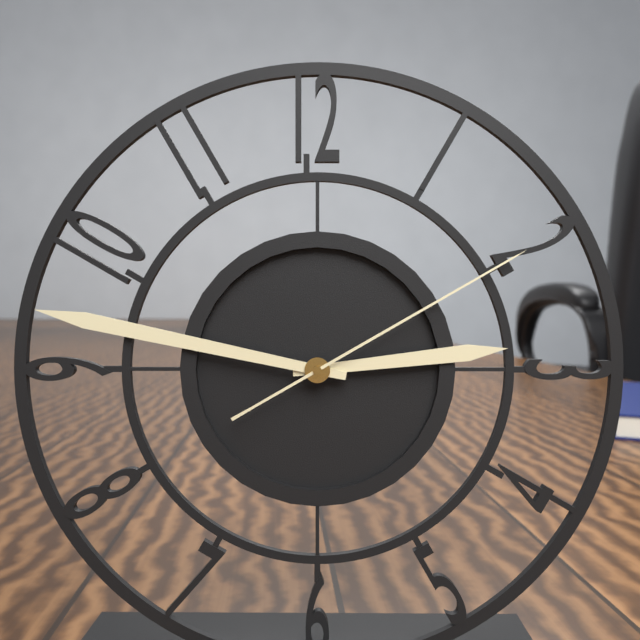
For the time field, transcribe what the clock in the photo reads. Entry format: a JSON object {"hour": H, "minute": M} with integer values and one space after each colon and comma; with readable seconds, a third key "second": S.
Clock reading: {"hour": 2, "minute": 47, "second": 10}
